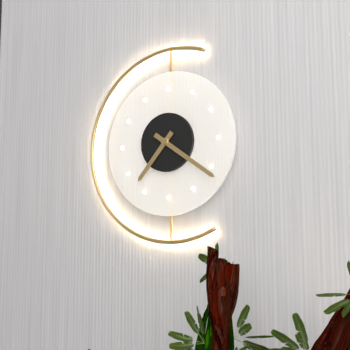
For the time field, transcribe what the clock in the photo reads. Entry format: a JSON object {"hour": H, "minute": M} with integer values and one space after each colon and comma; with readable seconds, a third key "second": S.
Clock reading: {"hour": 7, "minute": 21}
